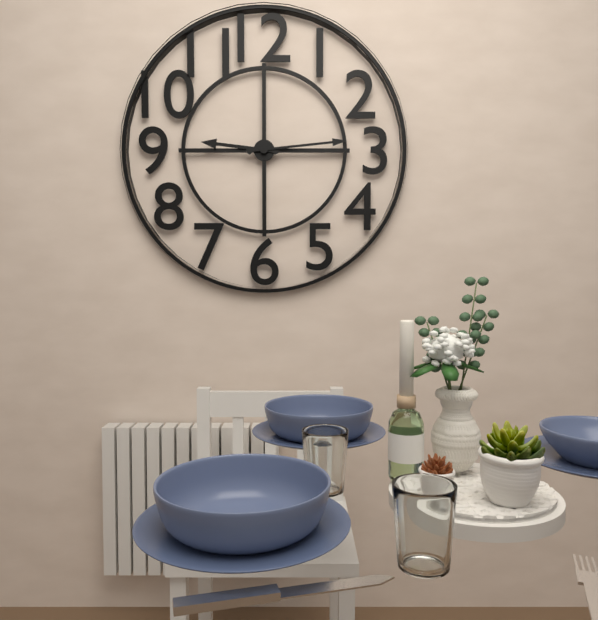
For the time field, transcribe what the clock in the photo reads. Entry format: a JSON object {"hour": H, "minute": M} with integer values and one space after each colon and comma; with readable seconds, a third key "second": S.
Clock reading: {"hour": 9, "minute": 14}
